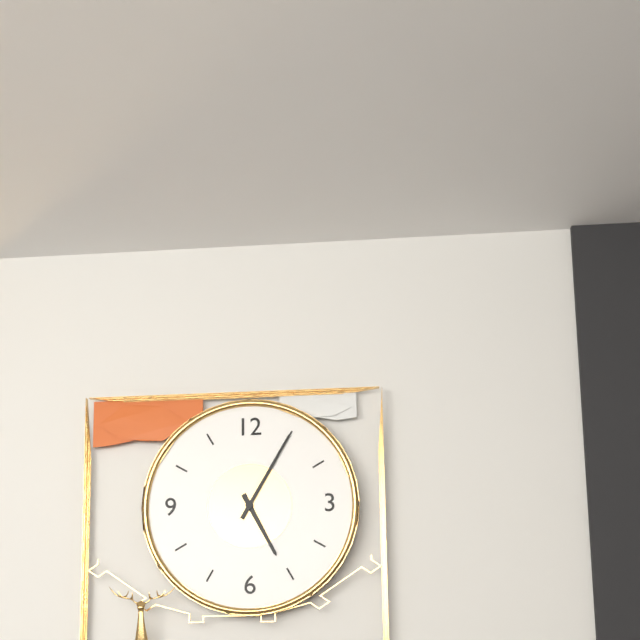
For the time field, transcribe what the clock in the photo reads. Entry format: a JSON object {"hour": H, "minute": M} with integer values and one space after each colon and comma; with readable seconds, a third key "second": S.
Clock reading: {"hour": 5, "minute": 5}
